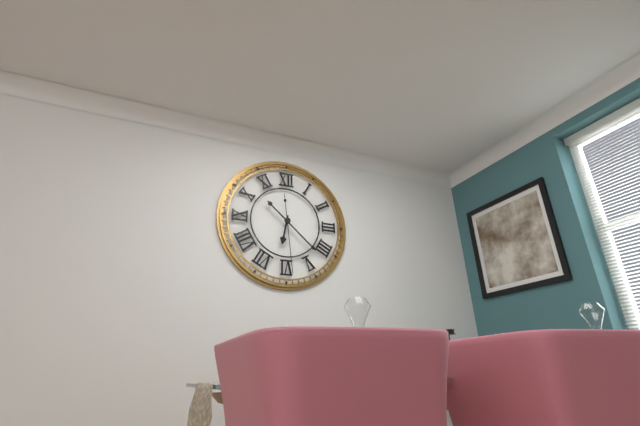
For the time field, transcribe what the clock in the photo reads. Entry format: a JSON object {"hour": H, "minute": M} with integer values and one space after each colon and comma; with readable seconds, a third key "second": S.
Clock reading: {"hour": 6, "minute": 22, "second": 29}
